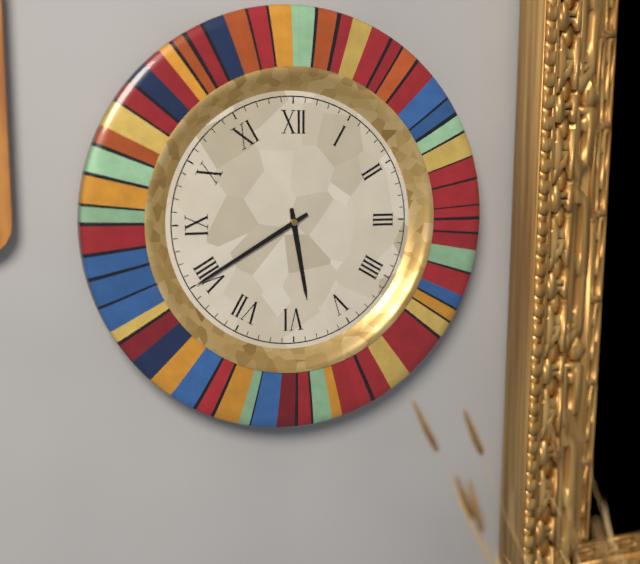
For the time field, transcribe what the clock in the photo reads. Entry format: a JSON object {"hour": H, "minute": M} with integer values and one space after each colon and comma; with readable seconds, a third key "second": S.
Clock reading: {"hour": 5, "minute": 40}
